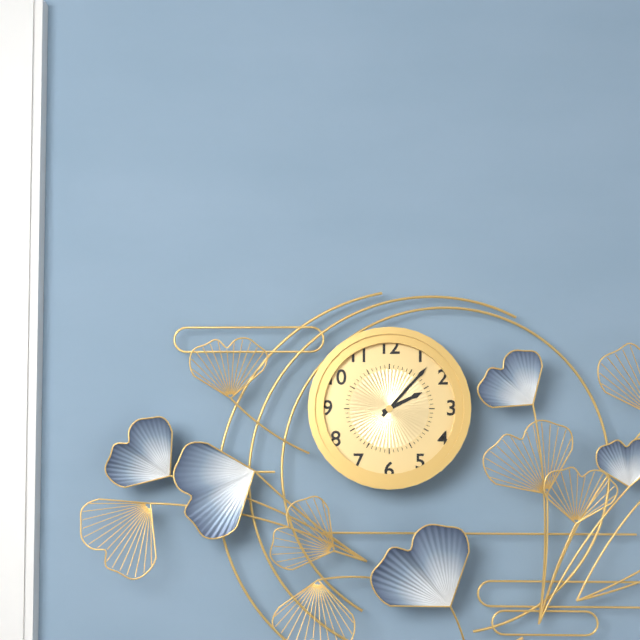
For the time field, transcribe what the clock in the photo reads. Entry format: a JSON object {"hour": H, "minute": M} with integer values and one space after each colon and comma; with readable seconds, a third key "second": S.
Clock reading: {"hour": 2, "minute": 7}
